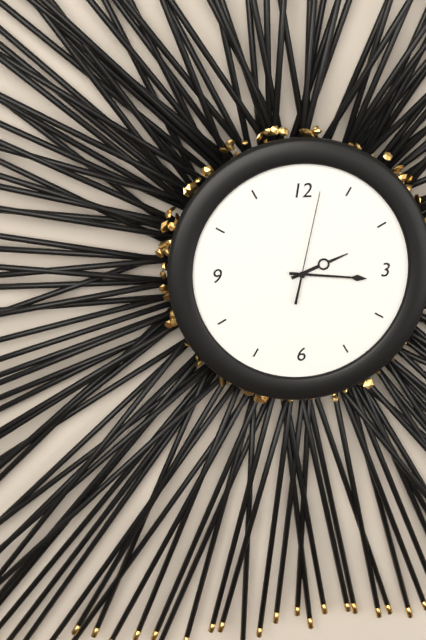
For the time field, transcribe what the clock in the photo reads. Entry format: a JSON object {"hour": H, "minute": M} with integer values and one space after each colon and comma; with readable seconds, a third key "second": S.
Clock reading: {"hour": 2, "minute": 16, "second": 2}
